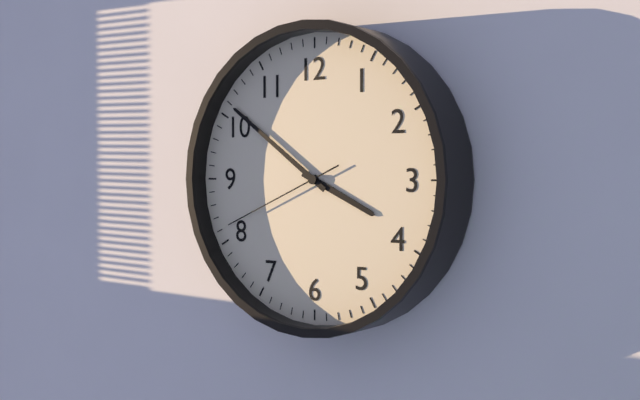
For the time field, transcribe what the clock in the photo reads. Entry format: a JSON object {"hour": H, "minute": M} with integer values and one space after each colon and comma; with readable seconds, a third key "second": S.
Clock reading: {"hour": 3, "minute": 51, "second": 41}
